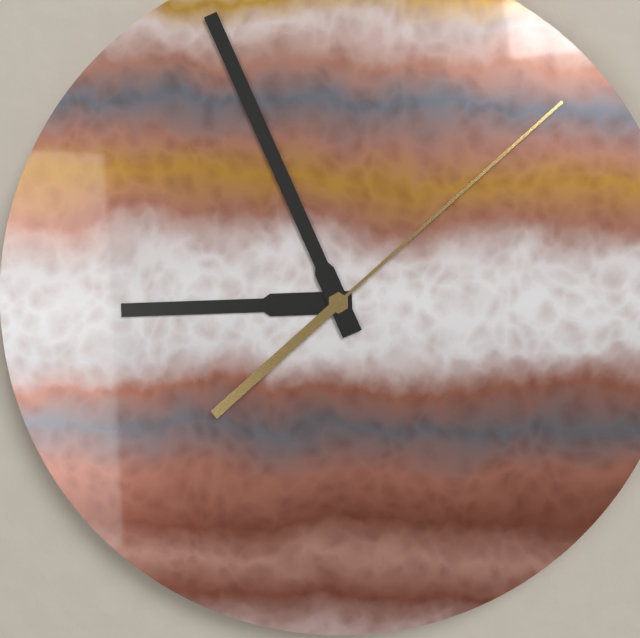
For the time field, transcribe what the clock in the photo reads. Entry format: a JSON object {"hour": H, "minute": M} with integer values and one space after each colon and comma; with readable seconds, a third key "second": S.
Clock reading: {"hour": 8, "minute": 56, "second": 8}
